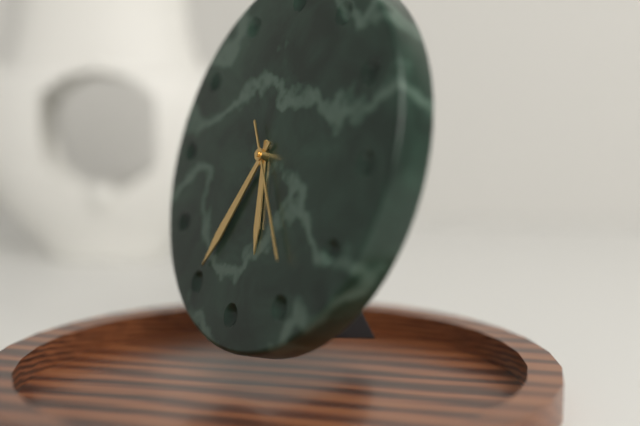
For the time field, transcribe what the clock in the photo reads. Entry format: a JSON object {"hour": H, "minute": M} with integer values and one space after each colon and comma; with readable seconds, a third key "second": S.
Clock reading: {"hour": 5, "minute": 35, "second": 24}
